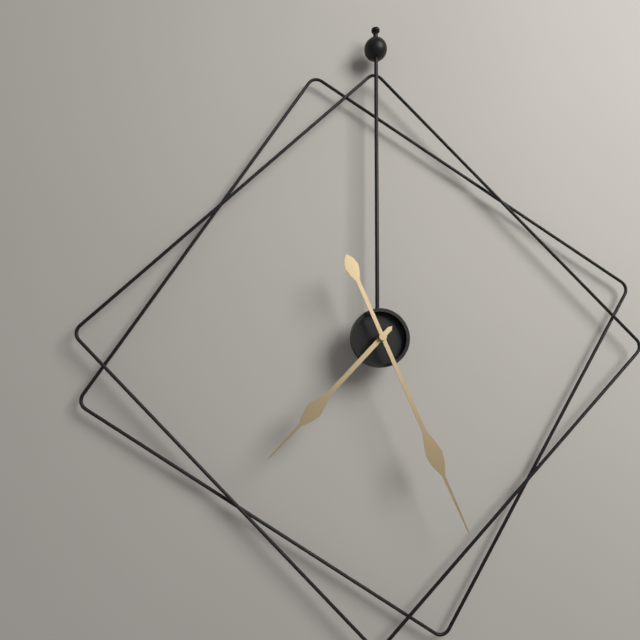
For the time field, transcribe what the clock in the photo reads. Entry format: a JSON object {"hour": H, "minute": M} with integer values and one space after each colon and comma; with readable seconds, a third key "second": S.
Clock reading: {"hour": 7, "minute": 26}
